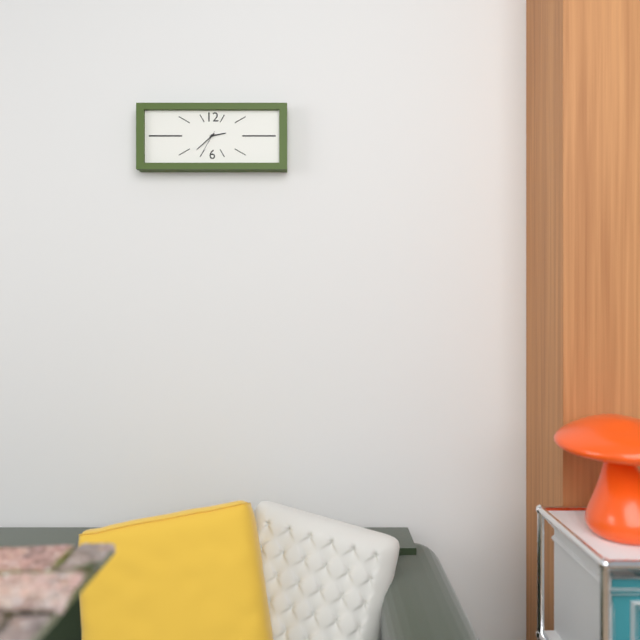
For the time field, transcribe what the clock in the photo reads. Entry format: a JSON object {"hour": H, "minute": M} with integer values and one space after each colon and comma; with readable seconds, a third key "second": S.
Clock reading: {"hour": 2, "minute": 38}
